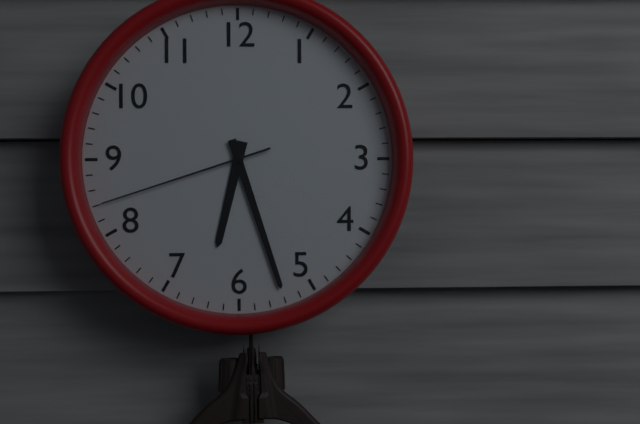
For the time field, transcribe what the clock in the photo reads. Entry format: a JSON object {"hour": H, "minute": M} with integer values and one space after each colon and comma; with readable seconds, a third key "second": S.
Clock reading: {"hour": 6, "minute": 27, "second": 42}
